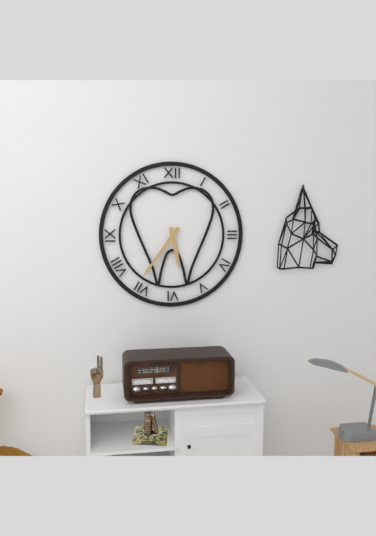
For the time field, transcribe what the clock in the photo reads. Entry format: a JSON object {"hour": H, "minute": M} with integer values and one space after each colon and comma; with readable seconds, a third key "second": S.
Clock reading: {"hour": 5, "minute": 36}
